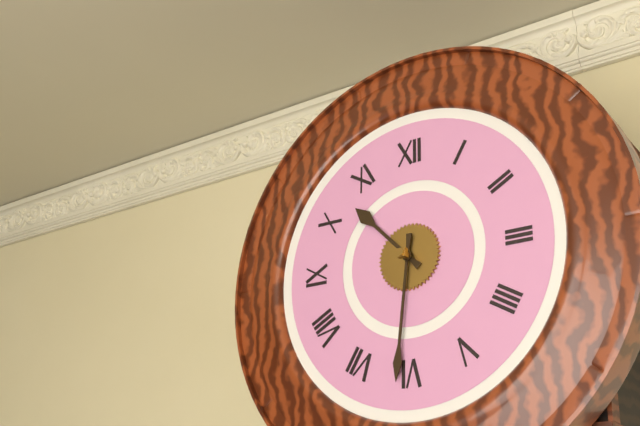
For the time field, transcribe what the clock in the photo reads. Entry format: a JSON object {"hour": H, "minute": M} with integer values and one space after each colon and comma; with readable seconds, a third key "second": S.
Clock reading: {"hour": 10, "minute": 31}
